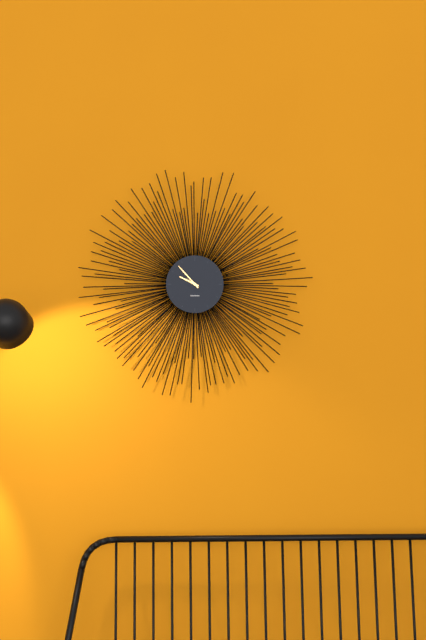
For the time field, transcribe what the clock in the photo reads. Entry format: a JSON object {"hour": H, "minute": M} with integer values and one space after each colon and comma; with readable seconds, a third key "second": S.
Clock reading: {"hour": 9, "minute": 53}
